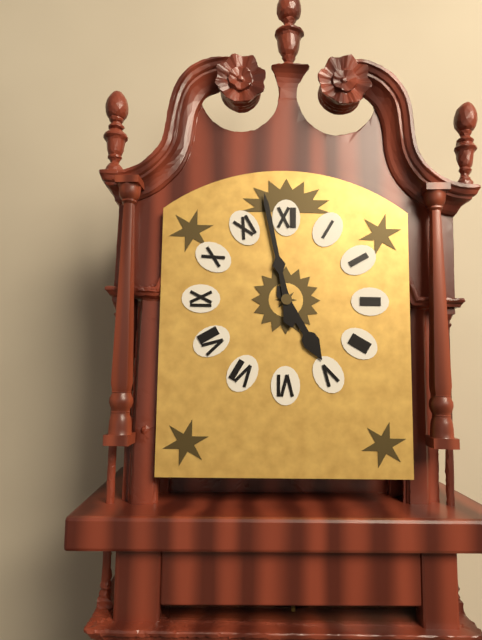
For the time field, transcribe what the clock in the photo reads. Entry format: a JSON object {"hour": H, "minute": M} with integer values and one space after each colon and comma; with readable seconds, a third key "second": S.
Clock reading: {"hour": 4, "minute": 58}
